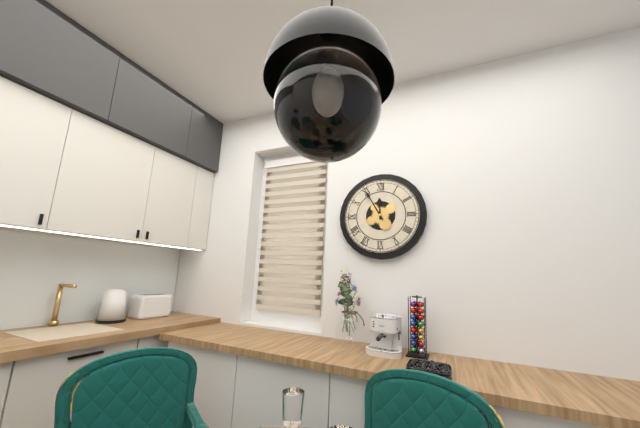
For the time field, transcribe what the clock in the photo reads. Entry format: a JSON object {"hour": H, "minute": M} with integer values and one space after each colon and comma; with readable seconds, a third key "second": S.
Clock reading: {"hour": 11, "minute": 55}
